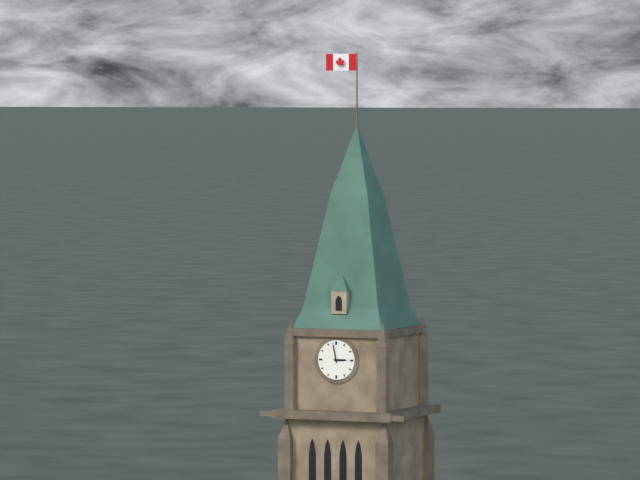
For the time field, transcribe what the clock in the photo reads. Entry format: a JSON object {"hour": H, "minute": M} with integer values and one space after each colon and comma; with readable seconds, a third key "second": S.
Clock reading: {"hour": 2, "minute": 58}
